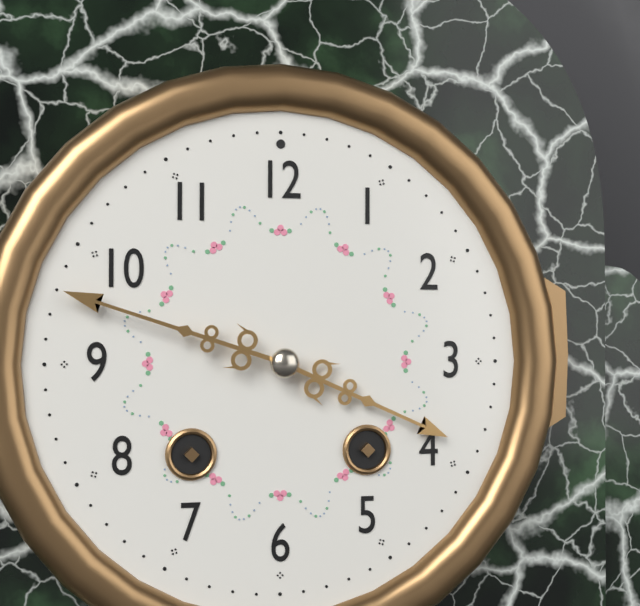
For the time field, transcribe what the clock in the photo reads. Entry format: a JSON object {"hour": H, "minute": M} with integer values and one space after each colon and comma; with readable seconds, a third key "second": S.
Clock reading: {"hour": 3, "minute": 48}
